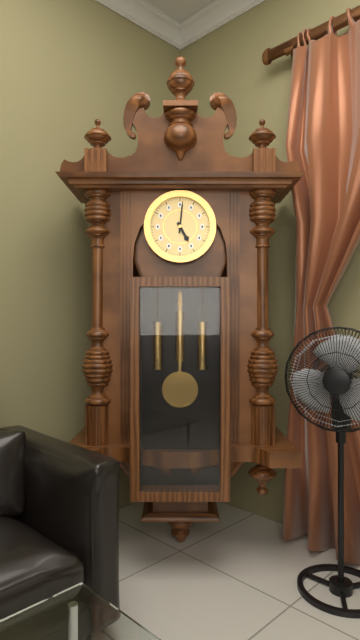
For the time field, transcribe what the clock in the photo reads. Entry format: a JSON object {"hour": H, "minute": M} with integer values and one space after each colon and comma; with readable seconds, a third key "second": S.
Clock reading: {"hour": 5, "minute": 1}
